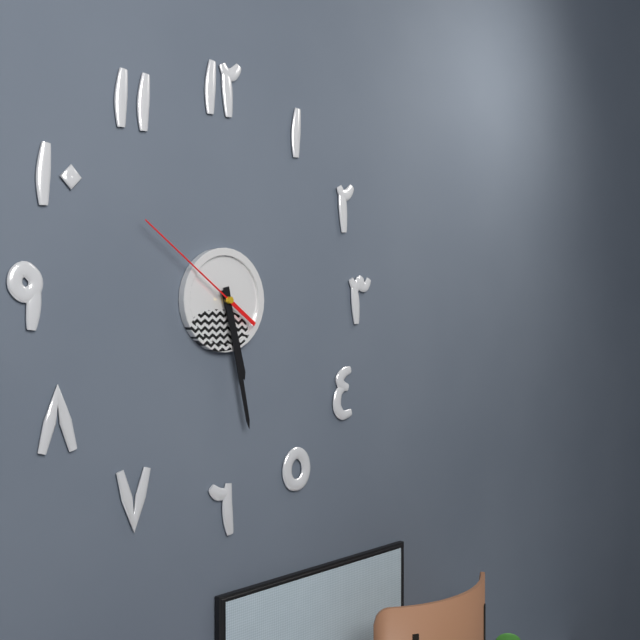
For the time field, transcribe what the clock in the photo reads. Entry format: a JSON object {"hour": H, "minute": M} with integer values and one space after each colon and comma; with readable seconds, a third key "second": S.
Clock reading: {"hour": 5, "minute": 28, "second": 51}
